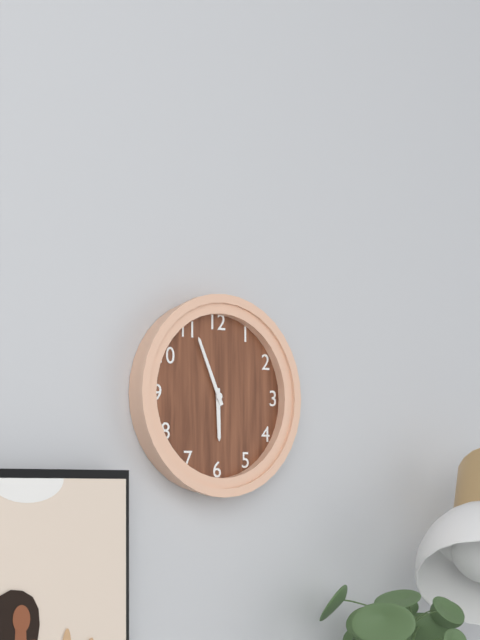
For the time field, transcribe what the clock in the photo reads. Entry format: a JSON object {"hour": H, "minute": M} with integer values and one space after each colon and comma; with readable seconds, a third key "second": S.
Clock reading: {"hour": 5, "minute": 56}
